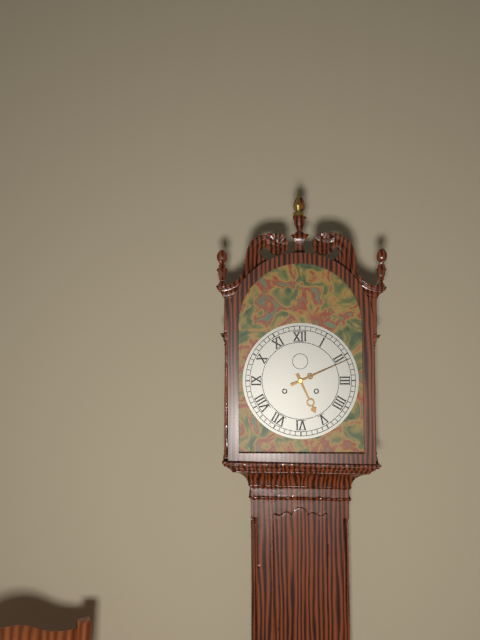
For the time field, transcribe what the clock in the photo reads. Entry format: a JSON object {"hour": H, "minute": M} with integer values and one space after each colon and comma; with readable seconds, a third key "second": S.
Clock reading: {"hour": 5, "minute": 11}
